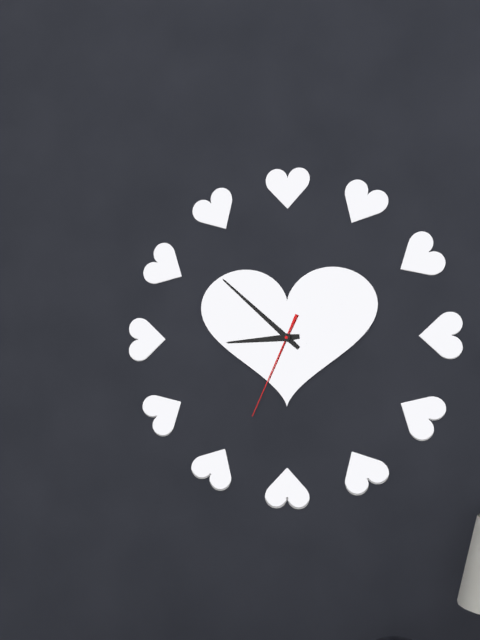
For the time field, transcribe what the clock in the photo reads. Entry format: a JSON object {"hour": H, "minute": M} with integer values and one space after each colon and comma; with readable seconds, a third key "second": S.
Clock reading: {"hour": 8, "minute": 52, "second": 34}
